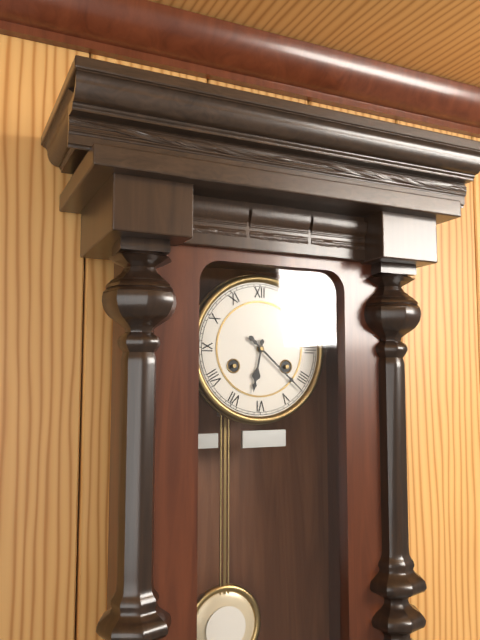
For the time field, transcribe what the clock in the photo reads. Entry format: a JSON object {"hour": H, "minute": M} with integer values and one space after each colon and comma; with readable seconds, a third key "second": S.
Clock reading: {"hour": 6, "minute": 22}
